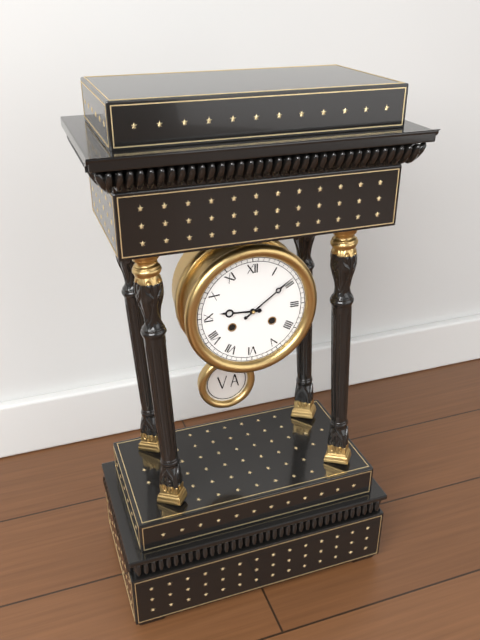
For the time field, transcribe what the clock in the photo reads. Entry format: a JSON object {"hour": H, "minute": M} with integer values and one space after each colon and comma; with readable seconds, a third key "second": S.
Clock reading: {"hour": 9, "minute": 9}
